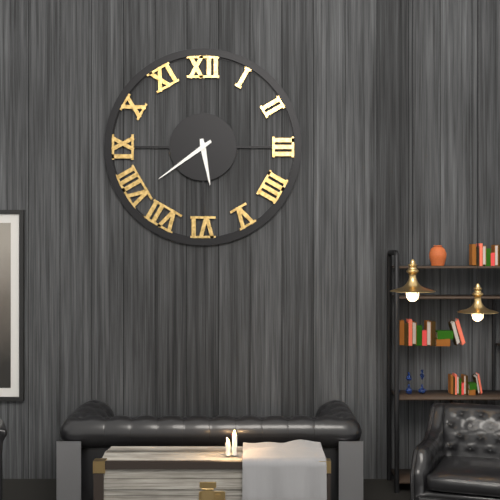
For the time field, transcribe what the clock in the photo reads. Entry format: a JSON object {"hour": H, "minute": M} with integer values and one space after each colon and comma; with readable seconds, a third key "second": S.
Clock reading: {"hour": 5, "minute": 39}
